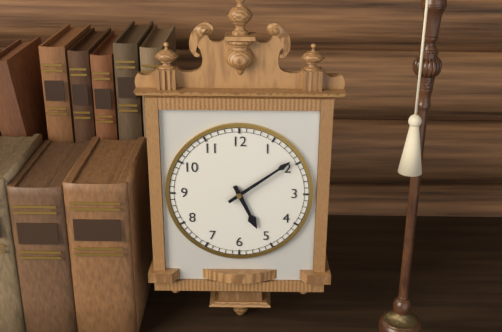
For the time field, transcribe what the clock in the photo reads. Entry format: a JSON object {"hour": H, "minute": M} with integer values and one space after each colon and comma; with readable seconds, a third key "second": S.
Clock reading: {"hour": 5, "minute": 9}
